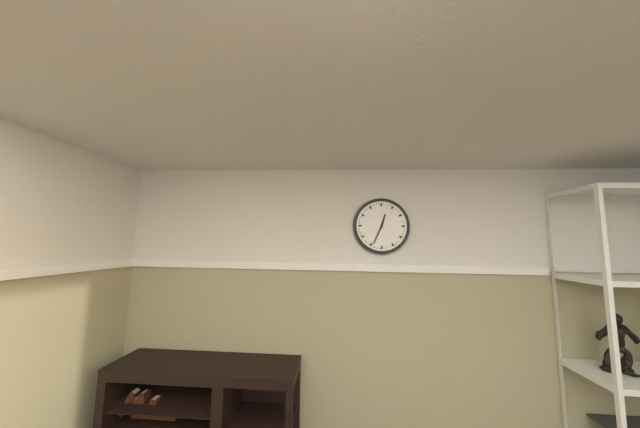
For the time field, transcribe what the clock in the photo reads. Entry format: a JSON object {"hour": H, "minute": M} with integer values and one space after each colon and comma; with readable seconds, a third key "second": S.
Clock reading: {"hour": 12, "minute": 34}
